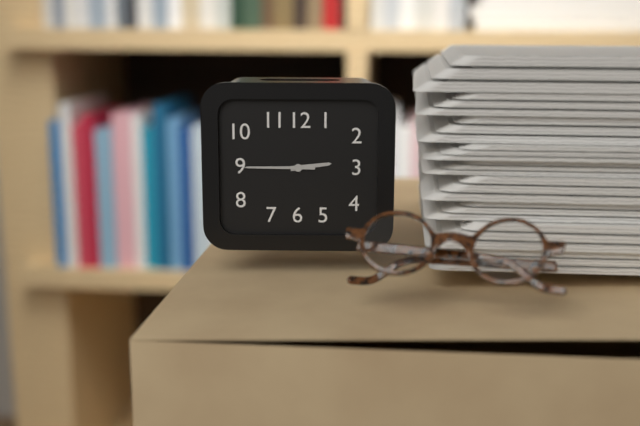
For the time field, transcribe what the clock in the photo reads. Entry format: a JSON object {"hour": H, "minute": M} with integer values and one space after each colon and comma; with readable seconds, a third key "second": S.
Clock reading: {"hour": 2, "minute": 45}
